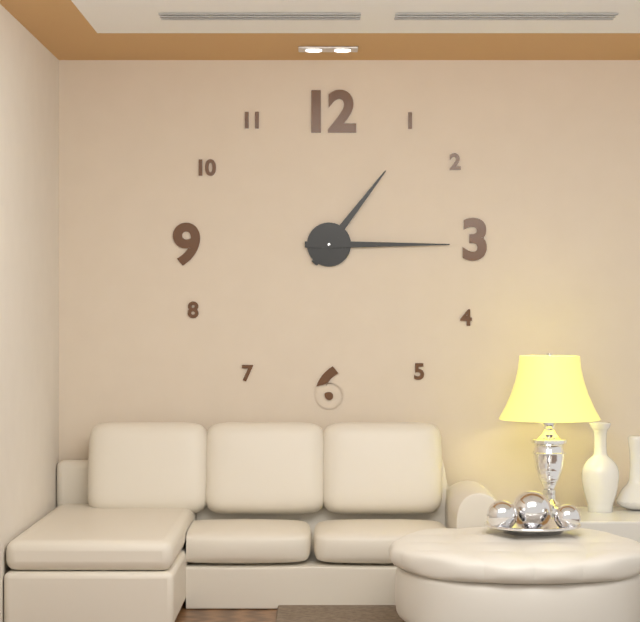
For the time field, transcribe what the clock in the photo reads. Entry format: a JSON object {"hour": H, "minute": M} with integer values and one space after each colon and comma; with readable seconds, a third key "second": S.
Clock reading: {"hour": 1, "minute": 15}
